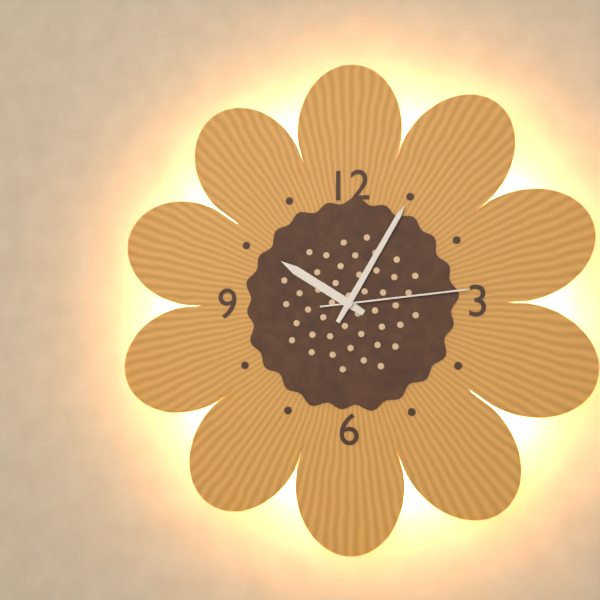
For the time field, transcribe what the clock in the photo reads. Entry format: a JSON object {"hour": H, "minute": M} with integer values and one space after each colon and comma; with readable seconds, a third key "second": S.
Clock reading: {"hour": 10, "minute": 5, "second": 14}
